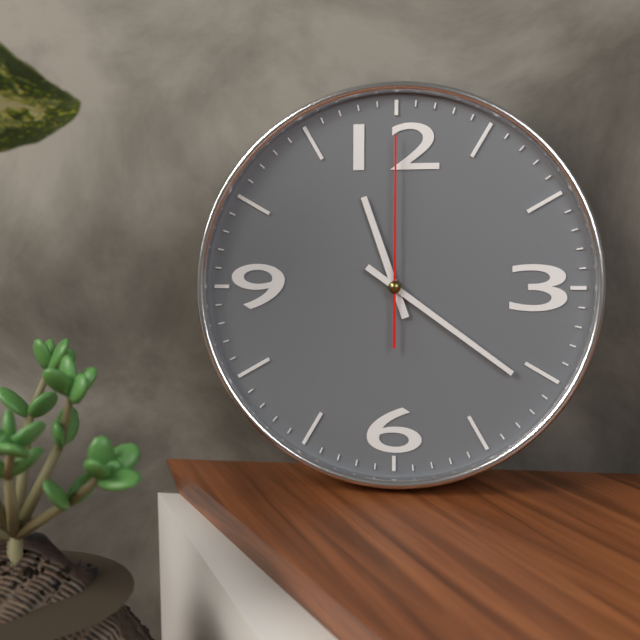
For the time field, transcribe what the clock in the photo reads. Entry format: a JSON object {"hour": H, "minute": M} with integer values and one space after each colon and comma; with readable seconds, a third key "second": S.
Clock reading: {"hour": 11, "minute": 21, "second": 0}
